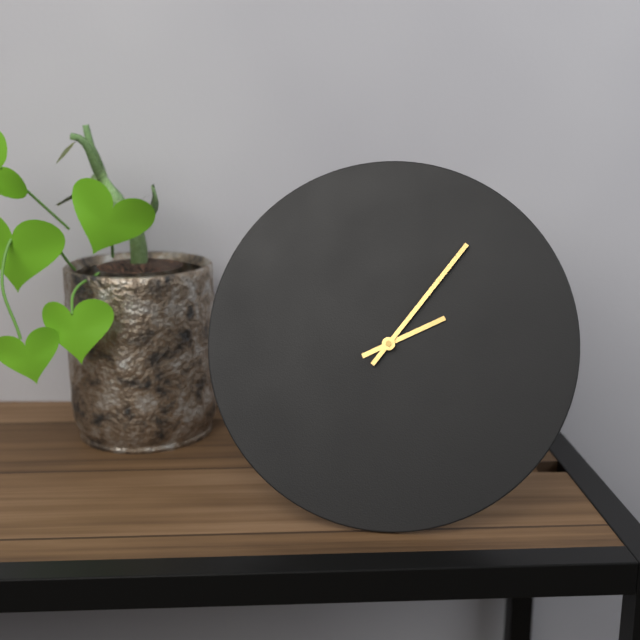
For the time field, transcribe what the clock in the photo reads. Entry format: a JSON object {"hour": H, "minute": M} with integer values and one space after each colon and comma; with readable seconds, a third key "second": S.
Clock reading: {"hour": 2, "minute": 6}
